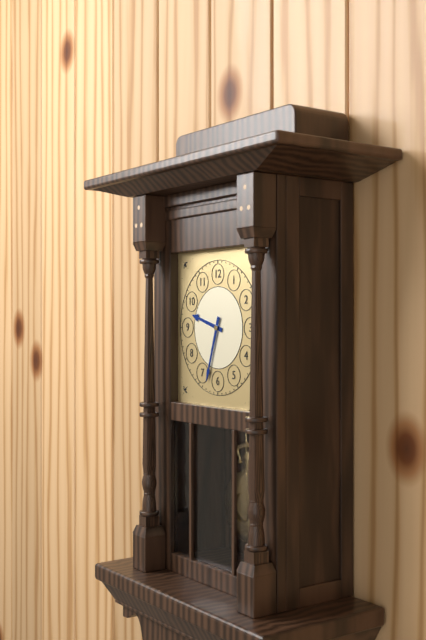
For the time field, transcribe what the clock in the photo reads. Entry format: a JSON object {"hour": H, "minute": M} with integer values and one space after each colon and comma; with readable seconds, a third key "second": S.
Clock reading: {"hour": 9, "minute": 33}
